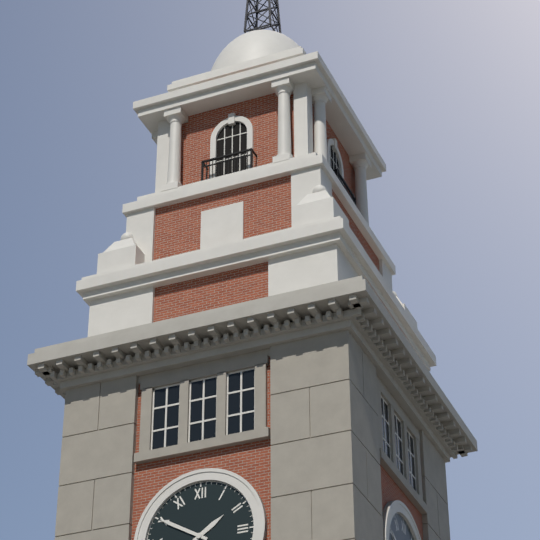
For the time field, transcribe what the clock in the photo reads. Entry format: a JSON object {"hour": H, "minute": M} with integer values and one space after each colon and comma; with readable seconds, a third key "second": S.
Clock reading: {"hour": 1, "minute": 50}
